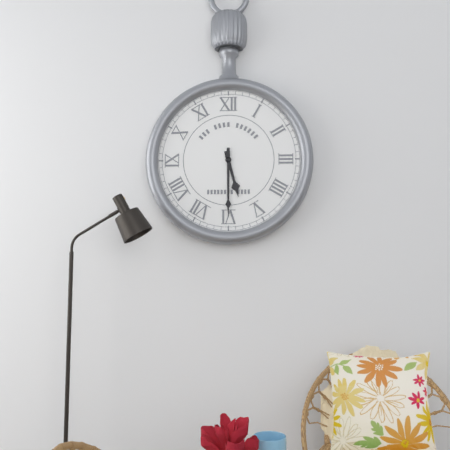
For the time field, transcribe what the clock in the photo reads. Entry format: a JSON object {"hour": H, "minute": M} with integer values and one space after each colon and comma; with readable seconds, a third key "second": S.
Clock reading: {"hour": 5, "minute": 30}
